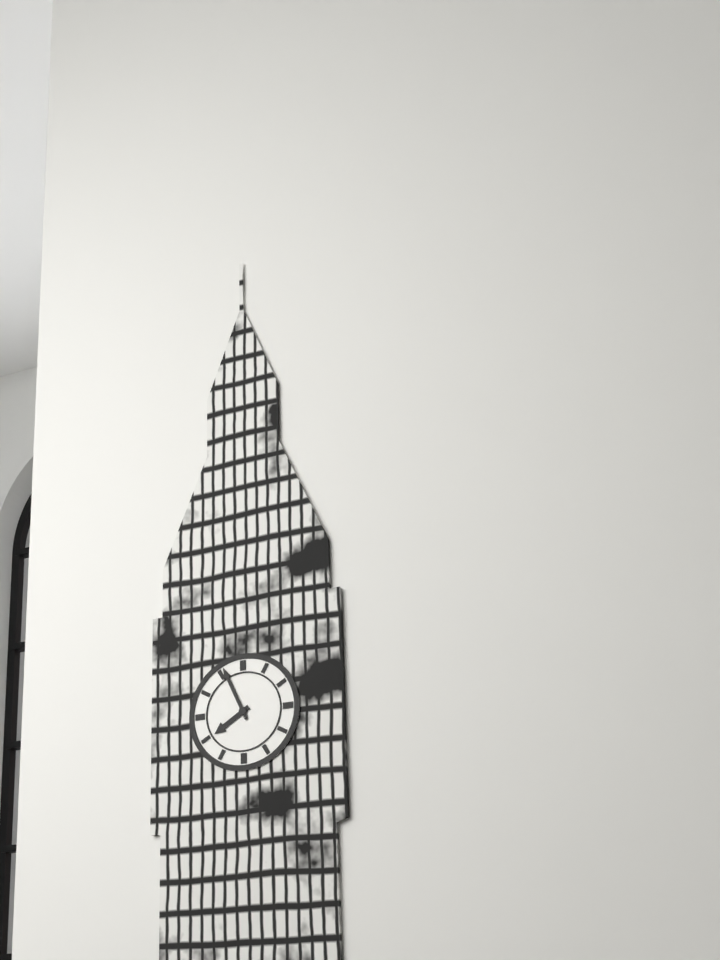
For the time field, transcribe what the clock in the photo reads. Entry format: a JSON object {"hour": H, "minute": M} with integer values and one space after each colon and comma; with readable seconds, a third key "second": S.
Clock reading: {"hour": 7, "minute": 56}
